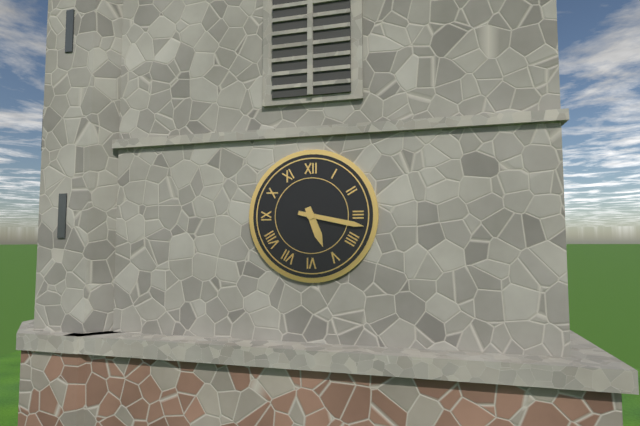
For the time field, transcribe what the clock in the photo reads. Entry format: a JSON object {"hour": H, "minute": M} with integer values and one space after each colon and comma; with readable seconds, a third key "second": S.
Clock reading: {"hour": 5, "minute": 17}
